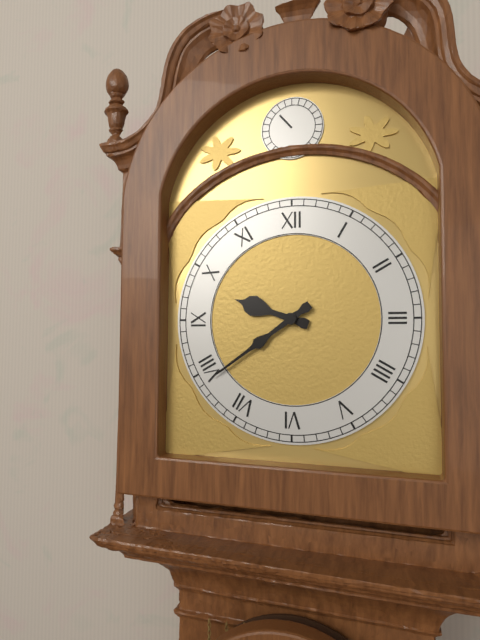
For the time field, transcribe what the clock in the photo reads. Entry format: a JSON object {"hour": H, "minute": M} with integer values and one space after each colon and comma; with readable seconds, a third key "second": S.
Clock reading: {"hour": 9, "minute": 39}
